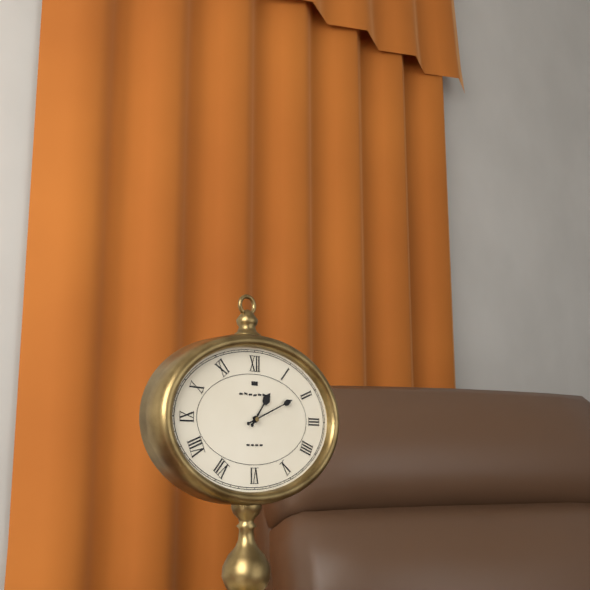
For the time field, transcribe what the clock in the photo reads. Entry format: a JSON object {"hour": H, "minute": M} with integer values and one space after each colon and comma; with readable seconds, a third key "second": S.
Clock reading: {"hour": 1, "minute": 11}
